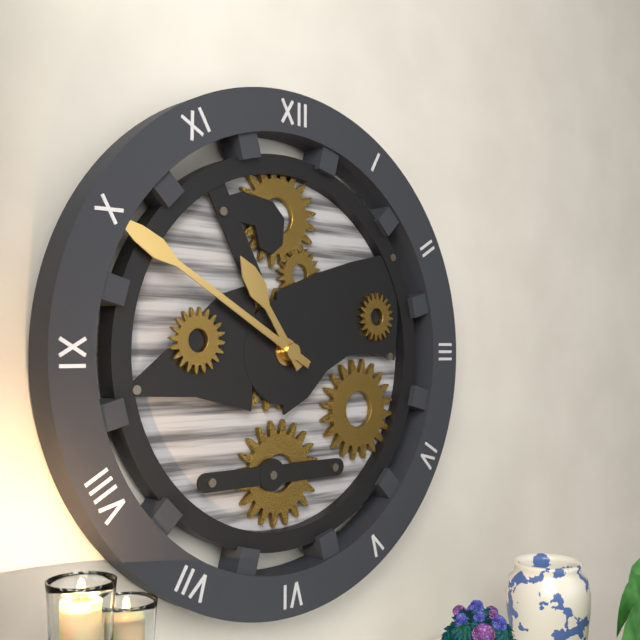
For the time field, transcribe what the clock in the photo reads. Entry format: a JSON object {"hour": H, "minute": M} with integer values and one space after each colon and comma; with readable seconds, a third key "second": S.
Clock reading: {"hour": 10, "minute": 50}
